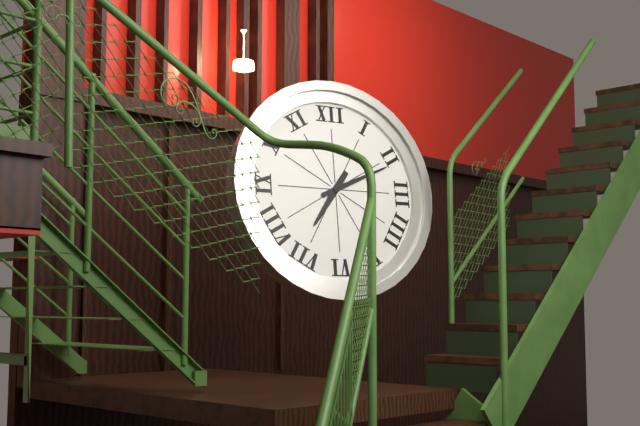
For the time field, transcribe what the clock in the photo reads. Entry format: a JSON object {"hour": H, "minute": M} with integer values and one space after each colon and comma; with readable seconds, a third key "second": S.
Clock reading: {"hour": 7, "minute": 11}
